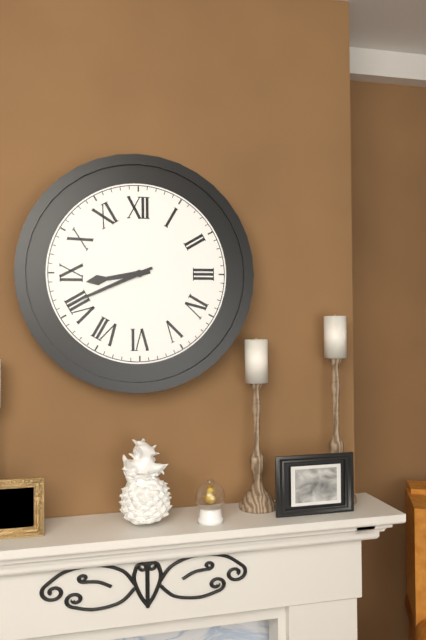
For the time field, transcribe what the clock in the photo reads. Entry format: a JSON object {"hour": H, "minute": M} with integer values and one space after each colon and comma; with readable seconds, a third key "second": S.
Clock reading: {"hour": 8, "minute": 41}
